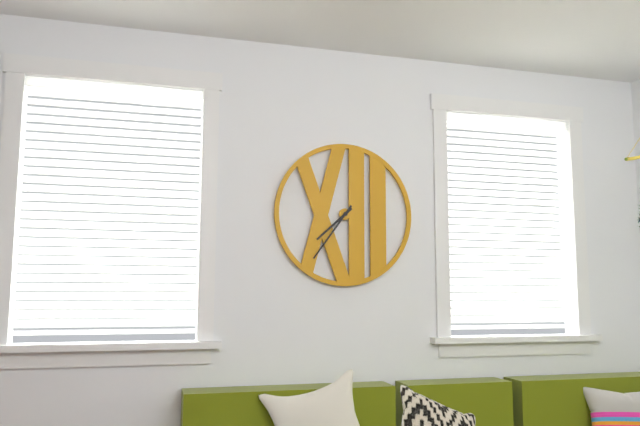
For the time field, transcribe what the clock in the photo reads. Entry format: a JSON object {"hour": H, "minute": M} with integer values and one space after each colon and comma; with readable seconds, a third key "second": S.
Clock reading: {"hour": 7, "minute": 36}
